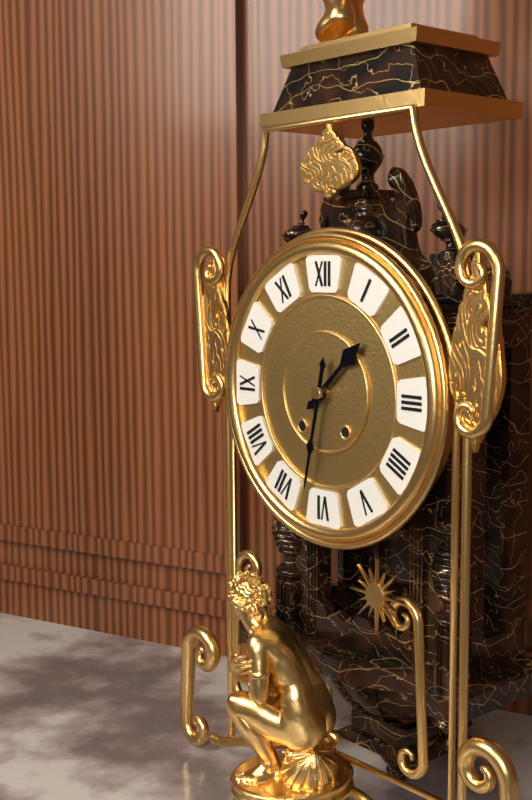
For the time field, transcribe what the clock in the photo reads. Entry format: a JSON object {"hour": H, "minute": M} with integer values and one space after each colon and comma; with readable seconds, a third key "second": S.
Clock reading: {"hour": 1, "minute": 32}
